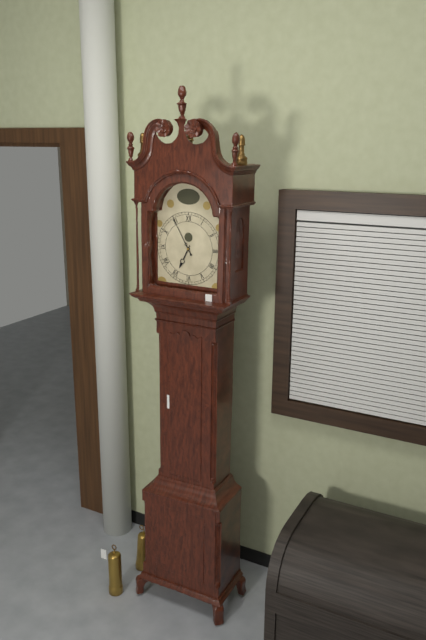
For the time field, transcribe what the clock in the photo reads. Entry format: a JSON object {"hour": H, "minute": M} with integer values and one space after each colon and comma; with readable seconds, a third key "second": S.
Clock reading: {"hour": 6, "minute": 55}
